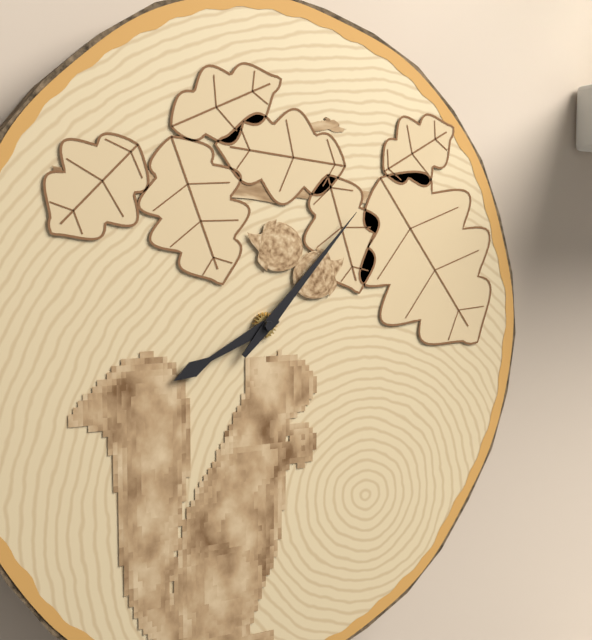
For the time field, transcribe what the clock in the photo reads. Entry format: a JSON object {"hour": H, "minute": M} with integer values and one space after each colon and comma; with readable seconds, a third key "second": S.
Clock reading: {"hour": 8, "minute": 7}
